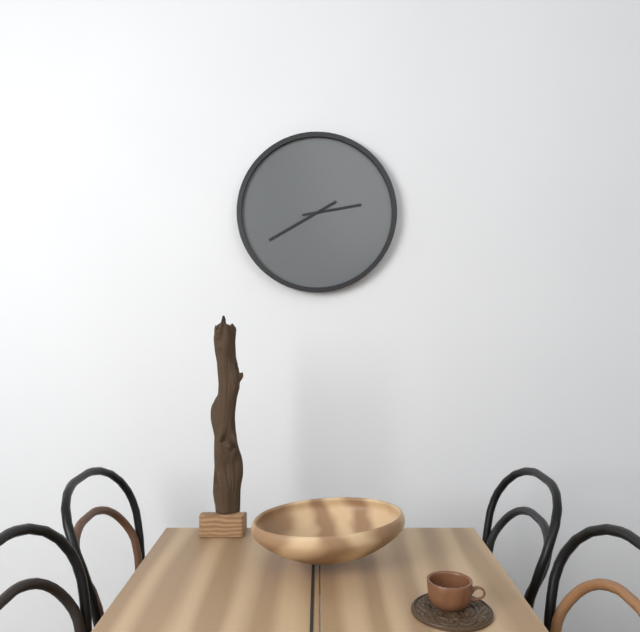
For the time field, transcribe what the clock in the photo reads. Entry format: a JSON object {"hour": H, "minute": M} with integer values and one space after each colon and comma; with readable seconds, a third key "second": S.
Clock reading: {"hour": 2, "minute": 40}
